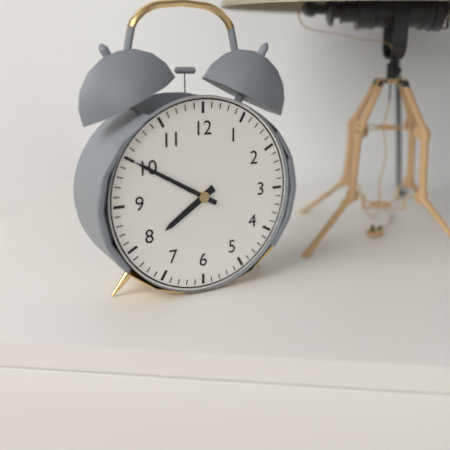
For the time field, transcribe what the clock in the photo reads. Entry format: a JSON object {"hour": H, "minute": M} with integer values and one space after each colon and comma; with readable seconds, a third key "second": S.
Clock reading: {"hour": 7, "minute": 50}
